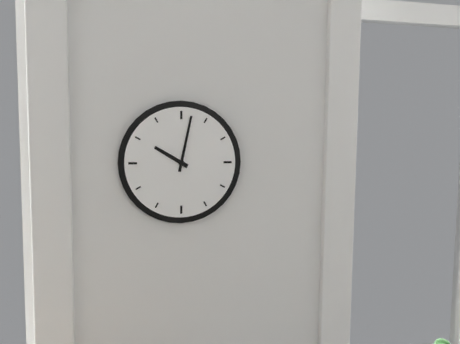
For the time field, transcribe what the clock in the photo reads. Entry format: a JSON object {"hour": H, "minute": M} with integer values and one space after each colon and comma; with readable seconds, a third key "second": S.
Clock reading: {"hour": 10, "minute": 2}
